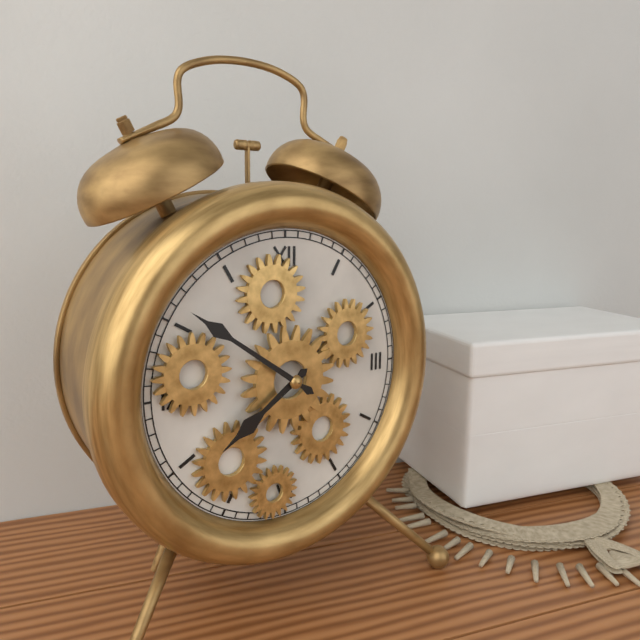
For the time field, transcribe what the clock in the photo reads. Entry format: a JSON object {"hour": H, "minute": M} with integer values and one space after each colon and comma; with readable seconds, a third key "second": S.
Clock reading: {"hour": 7, "minute": 51}
